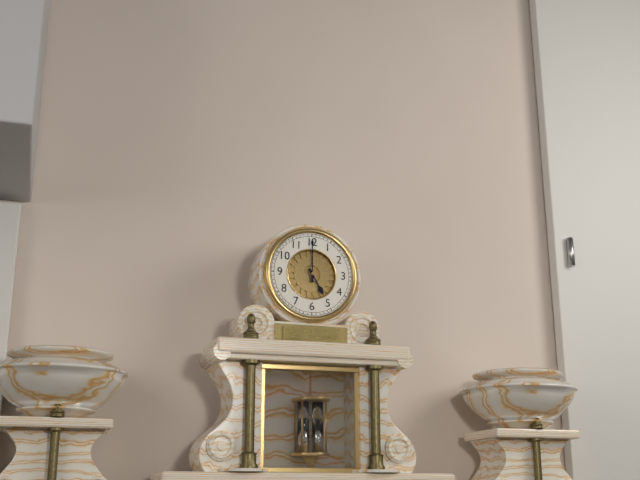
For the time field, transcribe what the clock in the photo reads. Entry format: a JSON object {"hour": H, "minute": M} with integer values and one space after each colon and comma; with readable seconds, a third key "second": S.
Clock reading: {"hour": 5, "minute": 0}
